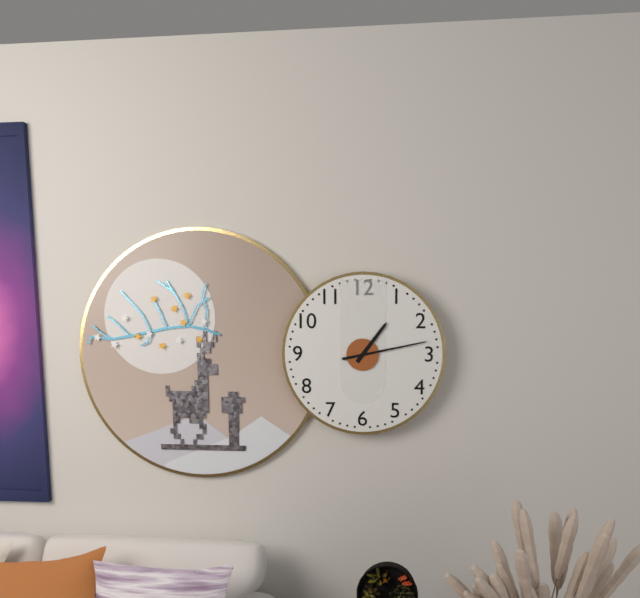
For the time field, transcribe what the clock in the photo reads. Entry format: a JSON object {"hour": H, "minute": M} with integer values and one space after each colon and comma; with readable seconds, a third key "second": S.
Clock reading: {"hour": 1, "minute": 13}
